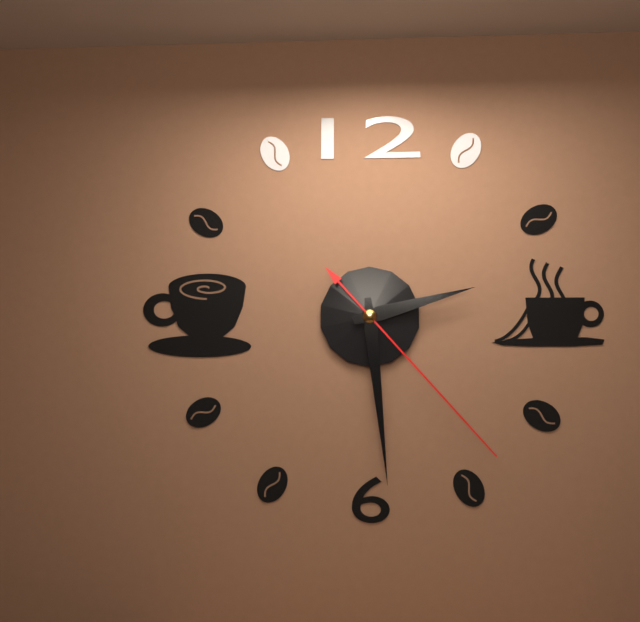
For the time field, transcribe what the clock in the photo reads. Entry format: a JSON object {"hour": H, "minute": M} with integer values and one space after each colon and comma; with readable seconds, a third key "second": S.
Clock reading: {"hour": 2, "minute": 29, "second": 23}
